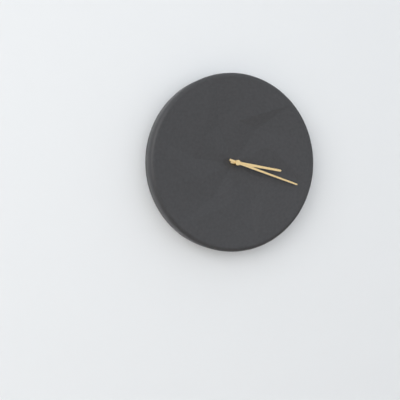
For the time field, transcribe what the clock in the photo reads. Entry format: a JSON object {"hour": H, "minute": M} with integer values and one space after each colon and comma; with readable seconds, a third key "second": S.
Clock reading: {"hour": 3, "minute": 18}
